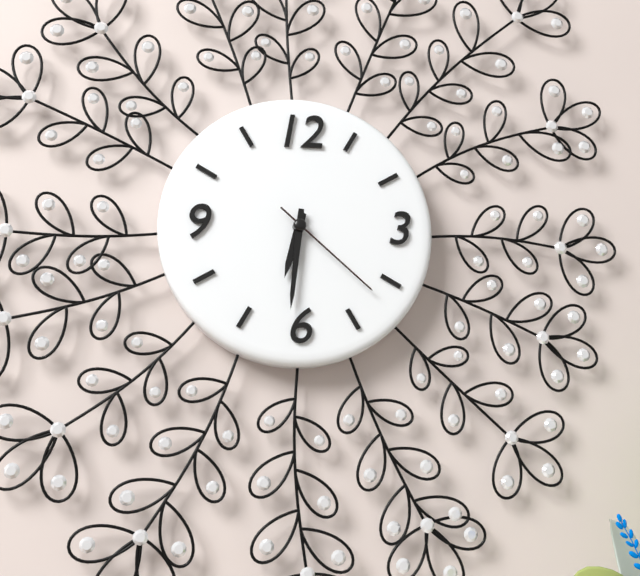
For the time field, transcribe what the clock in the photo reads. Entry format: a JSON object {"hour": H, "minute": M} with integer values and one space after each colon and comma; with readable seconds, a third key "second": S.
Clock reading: {"hour": 6, "minute": 31, "second": 22}
